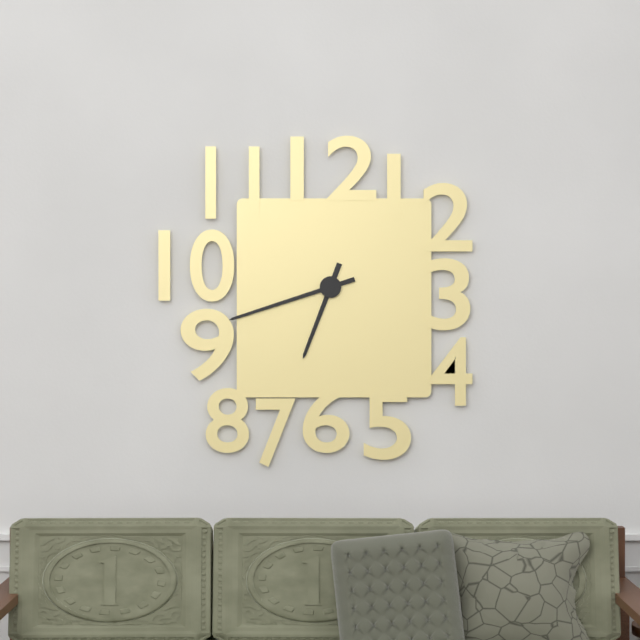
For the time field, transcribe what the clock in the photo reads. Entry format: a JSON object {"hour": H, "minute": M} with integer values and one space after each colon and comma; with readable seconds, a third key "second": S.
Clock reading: {"hour": 6, "minute": 42}
